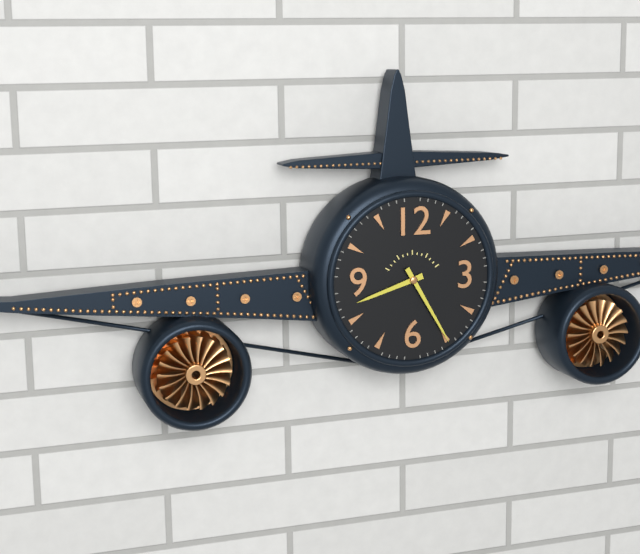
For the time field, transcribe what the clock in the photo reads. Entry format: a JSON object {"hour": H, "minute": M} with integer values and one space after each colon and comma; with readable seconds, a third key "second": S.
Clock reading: {"hour": 8, "minute": 25}
